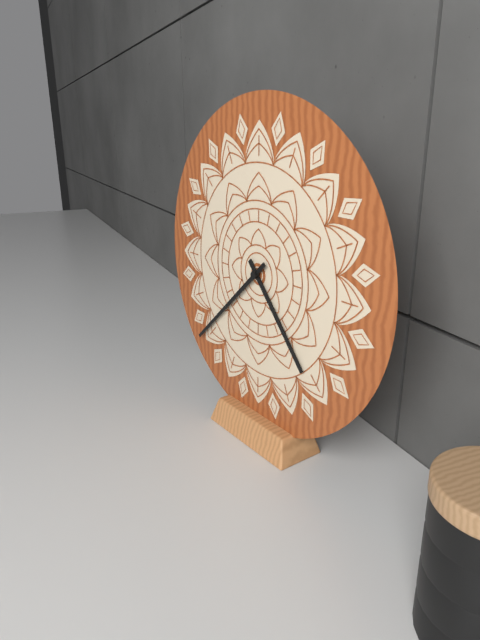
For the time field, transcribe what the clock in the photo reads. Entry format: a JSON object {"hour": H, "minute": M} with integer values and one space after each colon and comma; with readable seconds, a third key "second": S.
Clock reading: {"hour": 4, "minute": 38}
